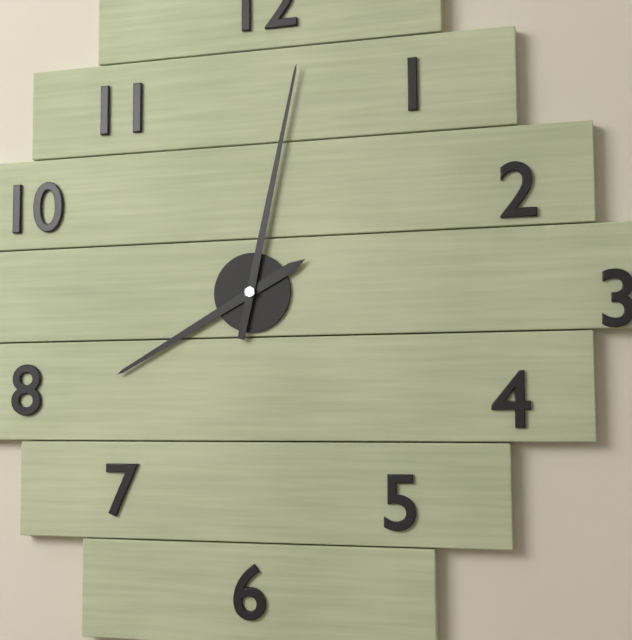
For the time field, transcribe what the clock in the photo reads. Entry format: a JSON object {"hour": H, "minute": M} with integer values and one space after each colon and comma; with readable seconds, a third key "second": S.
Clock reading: {"hour": 8, "minute": 2}
